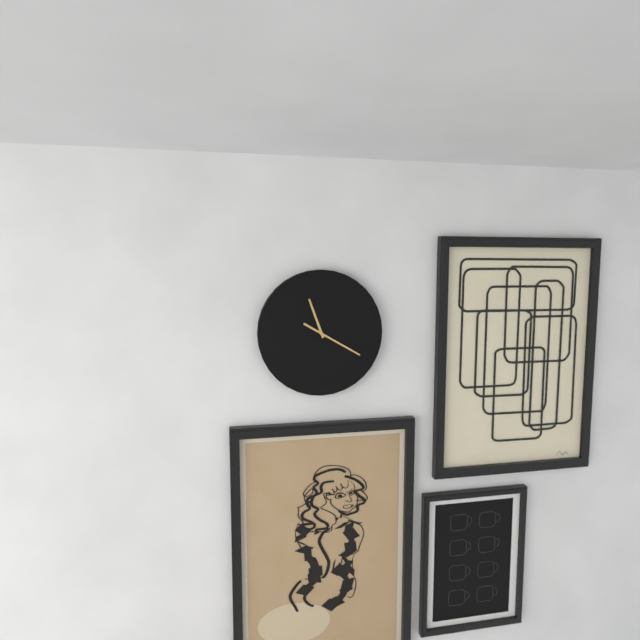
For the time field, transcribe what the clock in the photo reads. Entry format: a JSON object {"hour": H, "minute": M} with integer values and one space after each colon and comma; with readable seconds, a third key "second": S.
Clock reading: {"hour": 11, "minute": 20}
